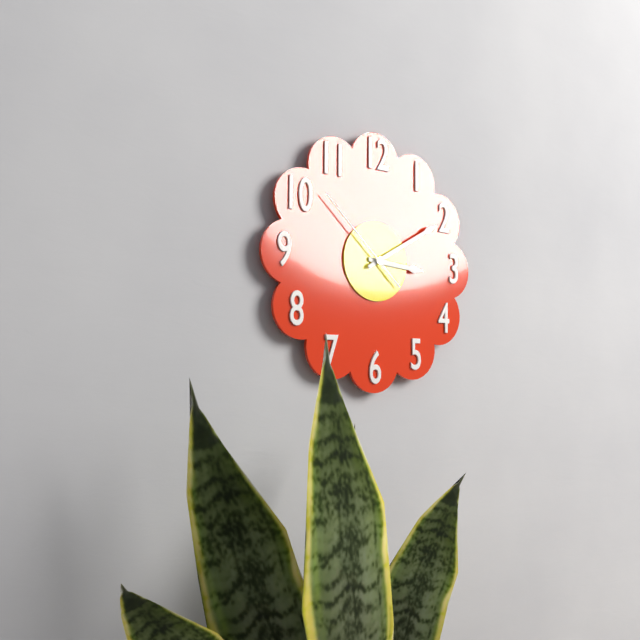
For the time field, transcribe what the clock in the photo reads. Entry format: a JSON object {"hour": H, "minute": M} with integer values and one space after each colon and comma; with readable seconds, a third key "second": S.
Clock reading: {"hour": 3, "minute": 10, "second": 52}
